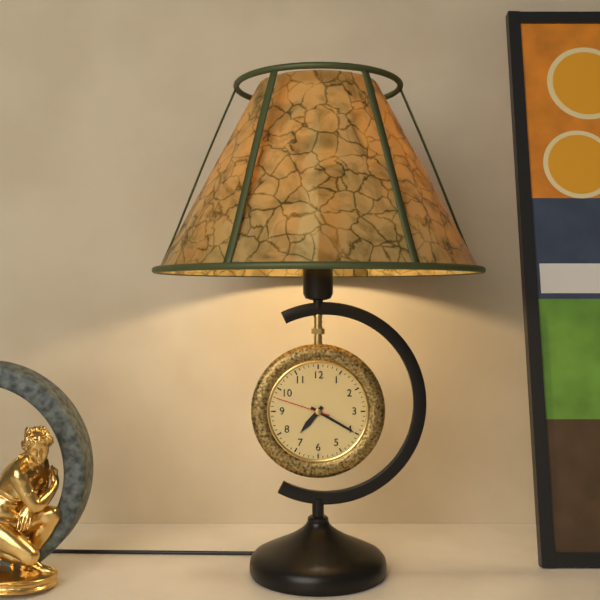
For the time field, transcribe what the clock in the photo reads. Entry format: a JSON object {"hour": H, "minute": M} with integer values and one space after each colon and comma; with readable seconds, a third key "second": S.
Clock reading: {"hour": 7, "minute": 20, "second": 48}
